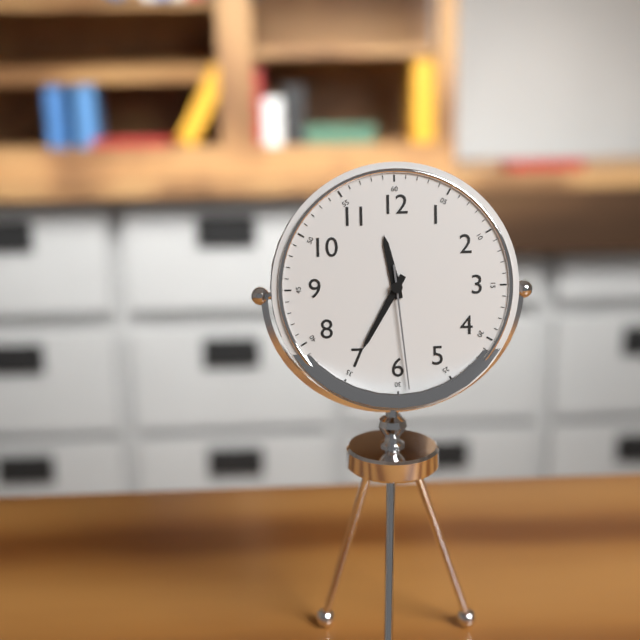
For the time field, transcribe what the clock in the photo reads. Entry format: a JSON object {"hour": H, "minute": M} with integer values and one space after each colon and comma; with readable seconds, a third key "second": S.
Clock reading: {"hour": 11, "minute": 35, "second": 29}
